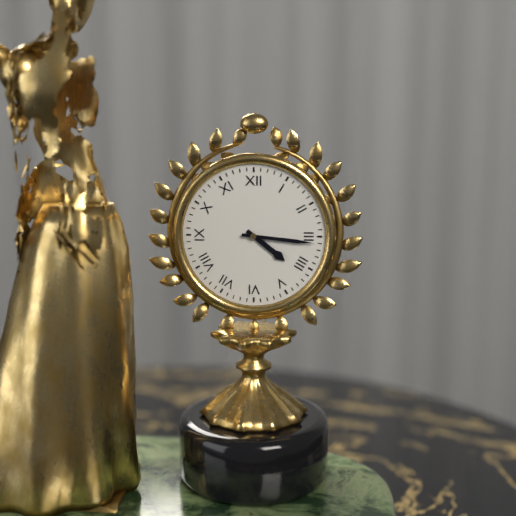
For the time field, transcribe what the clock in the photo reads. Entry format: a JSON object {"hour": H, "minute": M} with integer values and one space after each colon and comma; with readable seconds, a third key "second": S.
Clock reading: {"hour": 4, "minute": 16}
